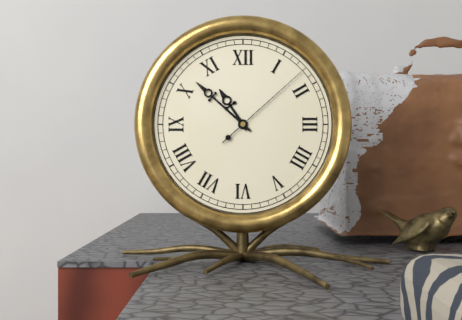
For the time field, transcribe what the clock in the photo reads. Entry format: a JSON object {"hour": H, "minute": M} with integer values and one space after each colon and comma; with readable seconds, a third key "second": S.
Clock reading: {"hour": 10, "minute": 52, "second": 8}
